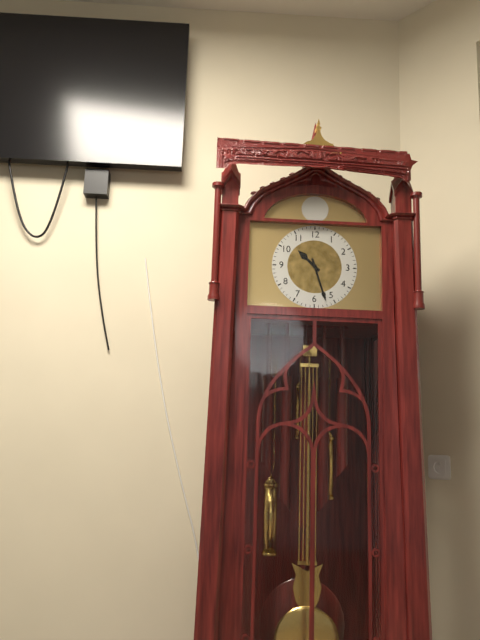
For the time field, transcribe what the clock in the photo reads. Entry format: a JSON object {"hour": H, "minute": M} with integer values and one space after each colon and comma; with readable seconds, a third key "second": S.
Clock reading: {"hour": 10, "minute": 27}
